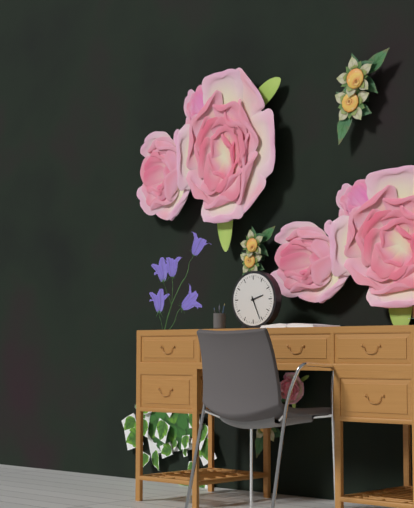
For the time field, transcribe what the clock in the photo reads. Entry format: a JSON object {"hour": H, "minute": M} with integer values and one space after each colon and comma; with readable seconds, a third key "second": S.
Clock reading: {"hour": 2, "minute": 26}
